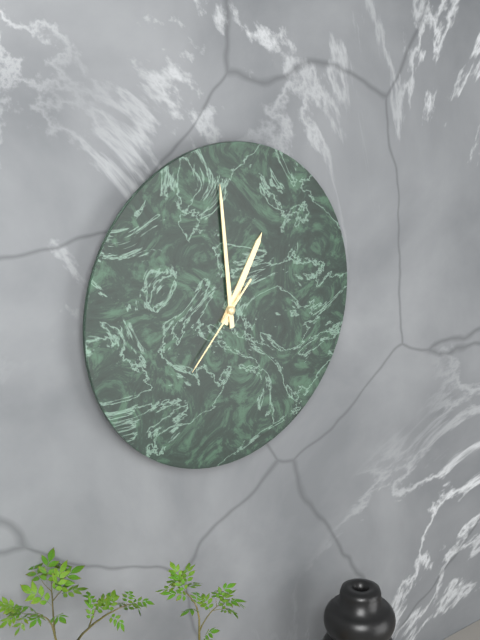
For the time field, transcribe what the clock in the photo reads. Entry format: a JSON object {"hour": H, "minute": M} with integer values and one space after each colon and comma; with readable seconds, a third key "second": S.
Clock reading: {"hour": 12, "minute": 59, "second": 37}
